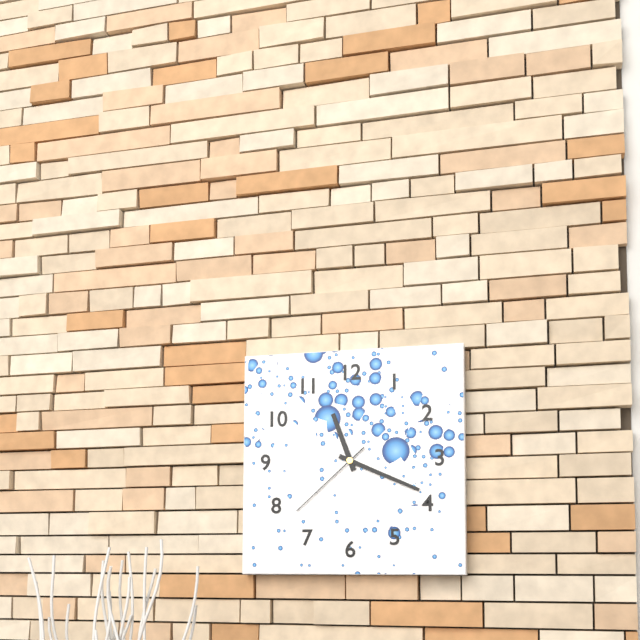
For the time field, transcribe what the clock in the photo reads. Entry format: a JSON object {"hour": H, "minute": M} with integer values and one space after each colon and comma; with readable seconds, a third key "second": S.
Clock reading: {"hour": 11, "minute": 19, "second": 38}
